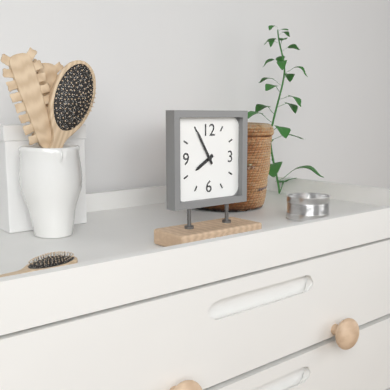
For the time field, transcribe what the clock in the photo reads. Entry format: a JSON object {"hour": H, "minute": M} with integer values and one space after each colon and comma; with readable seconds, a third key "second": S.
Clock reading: {"hour": 7, "minute": 55}
